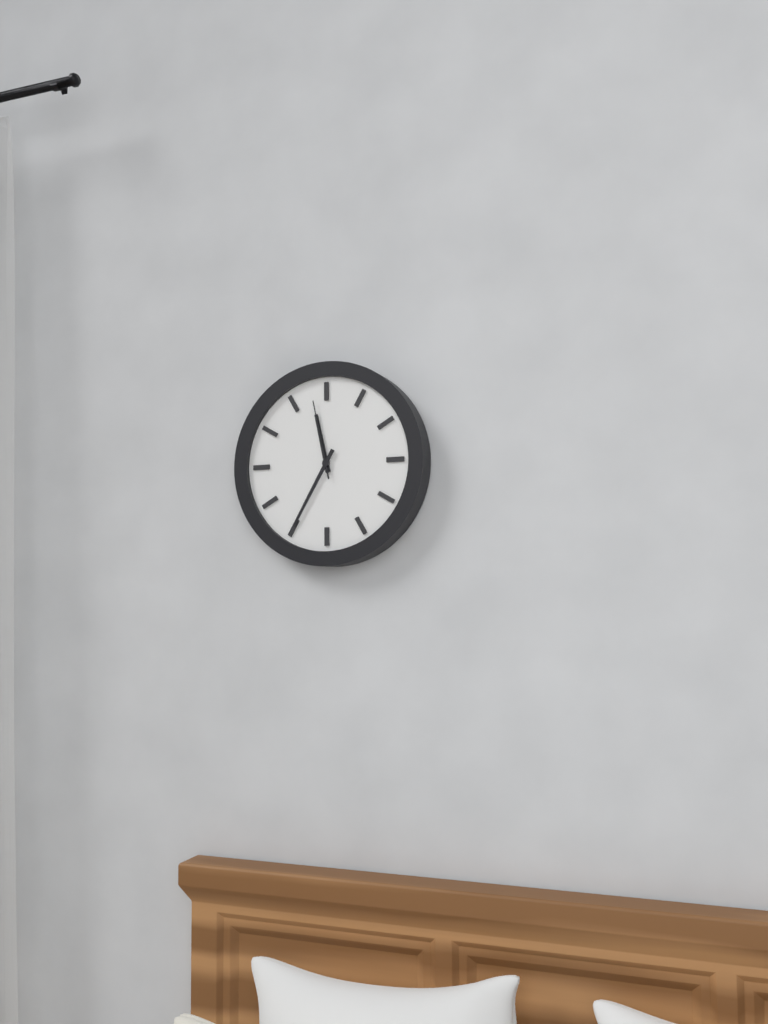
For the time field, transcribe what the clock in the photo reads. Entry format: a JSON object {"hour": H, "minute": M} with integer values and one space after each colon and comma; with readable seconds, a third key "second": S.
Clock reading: {"hour": 11, "minute": 35, "second": 58}
